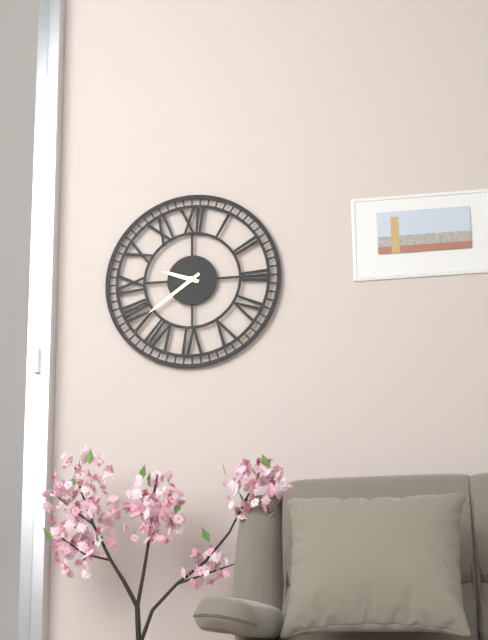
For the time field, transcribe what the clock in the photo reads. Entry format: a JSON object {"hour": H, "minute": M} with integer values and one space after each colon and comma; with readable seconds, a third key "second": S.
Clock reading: {"hour": 9, "minute": 39}
